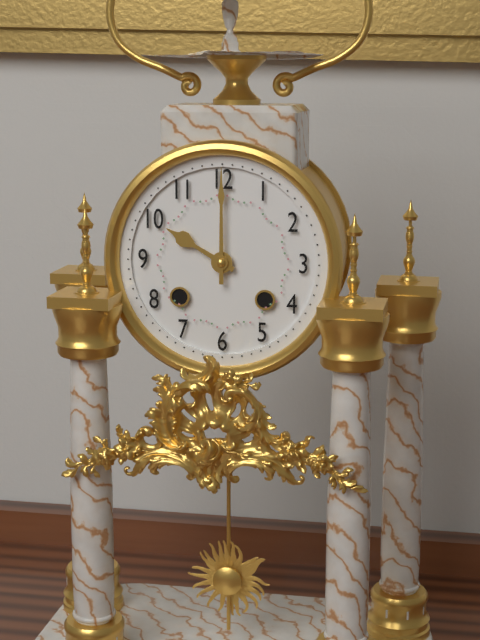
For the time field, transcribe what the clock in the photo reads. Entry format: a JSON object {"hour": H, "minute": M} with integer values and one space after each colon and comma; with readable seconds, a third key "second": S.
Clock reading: {"hour": 10, "minute": 0}
